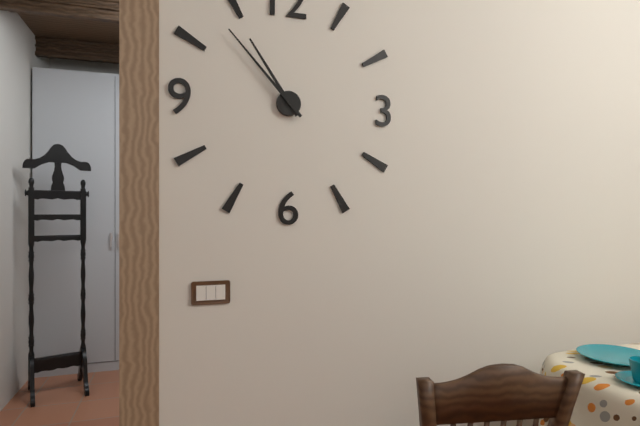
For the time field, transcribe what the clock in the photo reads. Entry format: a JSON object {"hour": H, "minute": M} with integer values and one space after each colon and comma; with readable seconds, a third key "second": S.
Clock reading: {"hour": 10, "minute": 53}
